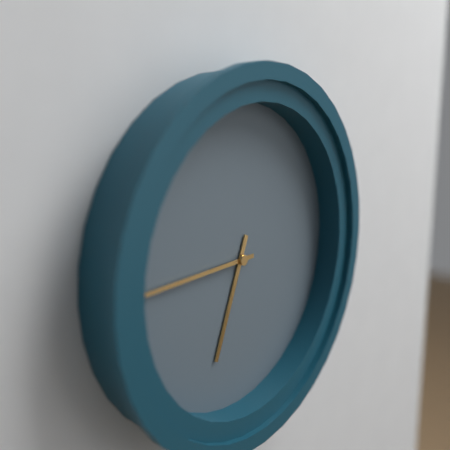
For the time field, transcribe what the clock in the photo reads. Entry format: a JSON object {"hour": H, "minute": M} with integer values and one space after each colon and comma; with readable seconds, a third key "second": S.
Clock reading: {"hour": 6, "minute": 45}
